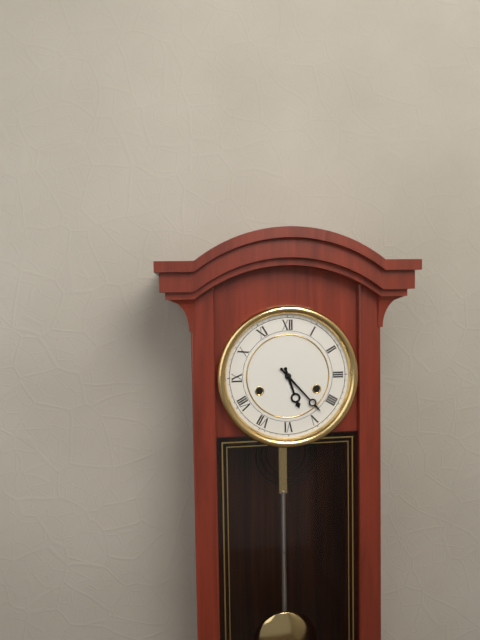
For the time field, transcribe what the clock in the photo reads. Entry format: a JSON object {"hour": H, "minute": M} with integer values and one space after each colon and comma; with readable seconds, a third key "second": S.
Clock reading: {"hour": 5, "minute": 23}
